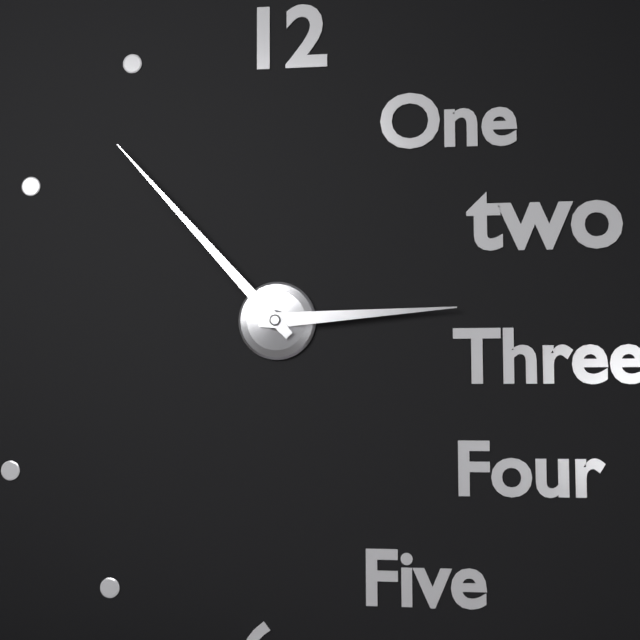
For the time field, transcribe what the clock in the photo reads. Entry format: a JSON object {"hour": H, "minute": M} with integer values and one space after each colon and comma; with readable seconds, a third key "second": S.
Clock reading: {"hour": 2, "minute": 53}
